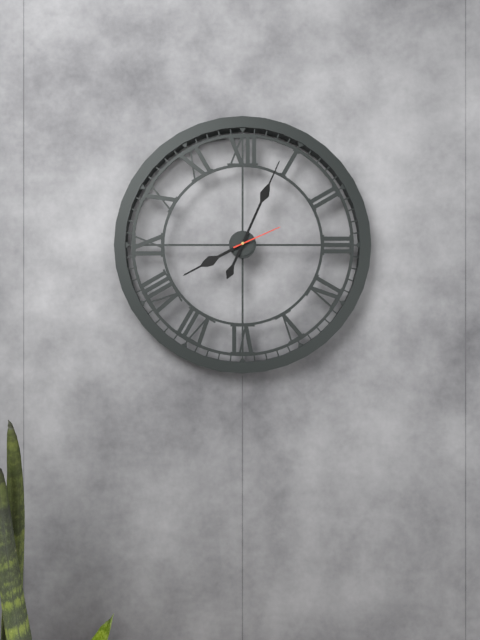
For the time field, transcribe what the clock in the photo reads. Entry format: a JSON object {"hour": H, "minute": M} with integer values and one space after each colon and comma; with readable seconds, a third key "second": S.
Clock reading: {"hour": 8, "minute": 4, "second": 11}
